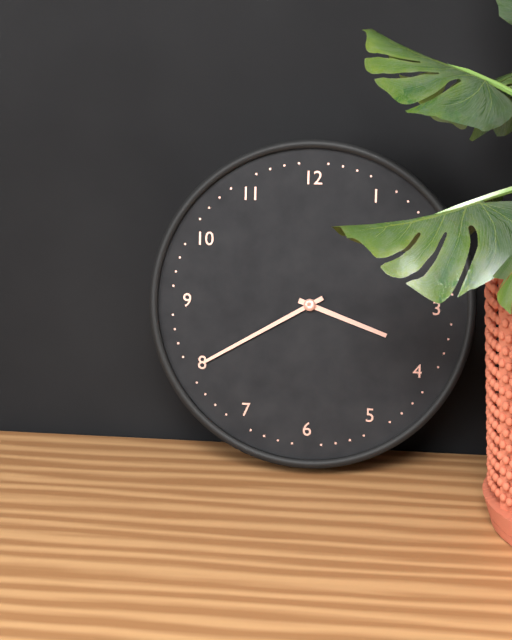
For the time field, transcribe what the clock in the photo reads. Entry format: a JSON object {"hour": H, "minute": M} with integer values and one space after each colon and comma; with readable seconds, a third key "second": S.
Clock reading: {"hour": 3, "minute": 40}
